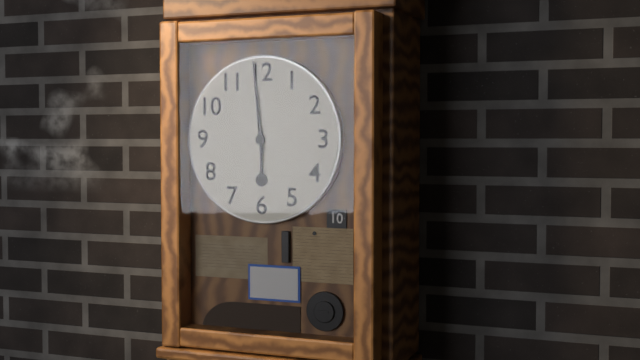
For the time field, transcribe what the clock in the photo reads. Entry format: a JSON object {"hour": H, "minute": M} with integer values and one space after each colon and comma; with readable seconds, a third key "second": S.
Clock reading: {"hour": 5, "minute": 59}
